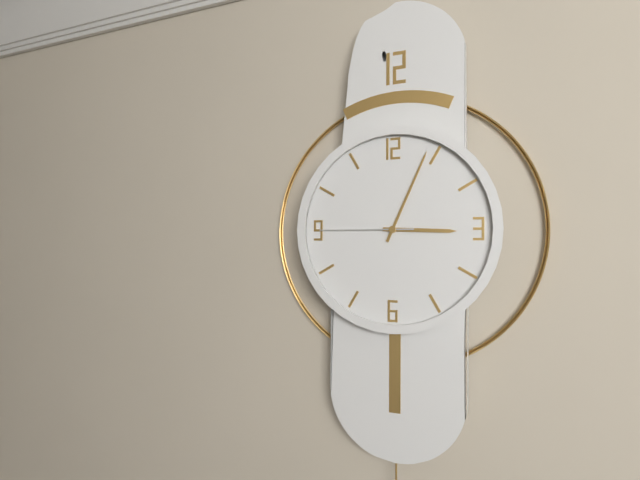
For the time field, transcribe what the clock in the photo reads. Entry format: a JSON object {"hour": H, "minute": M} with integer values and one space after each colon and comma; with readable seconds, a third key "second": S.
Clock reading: {"hour": 3, "minute": 4, "second": 45}
